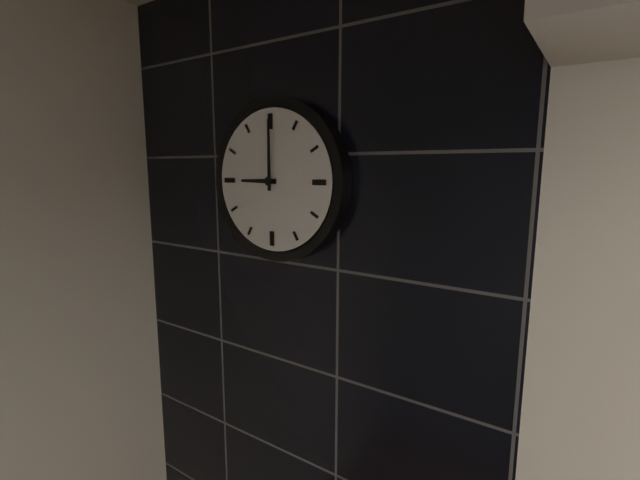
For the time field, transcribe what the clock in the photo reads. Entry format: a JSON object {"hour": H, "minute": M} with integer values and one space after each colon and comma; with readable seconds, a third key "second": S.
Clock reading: {"hour": 9, "minute": 0}
